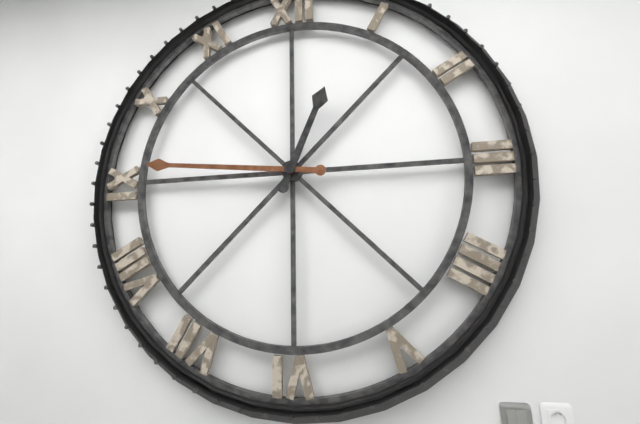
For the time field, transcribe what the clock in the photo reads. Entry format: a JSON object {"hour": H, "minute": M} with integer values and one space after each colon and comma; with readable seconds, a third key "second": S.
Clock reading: {"hour": 12, "minute": 46}
